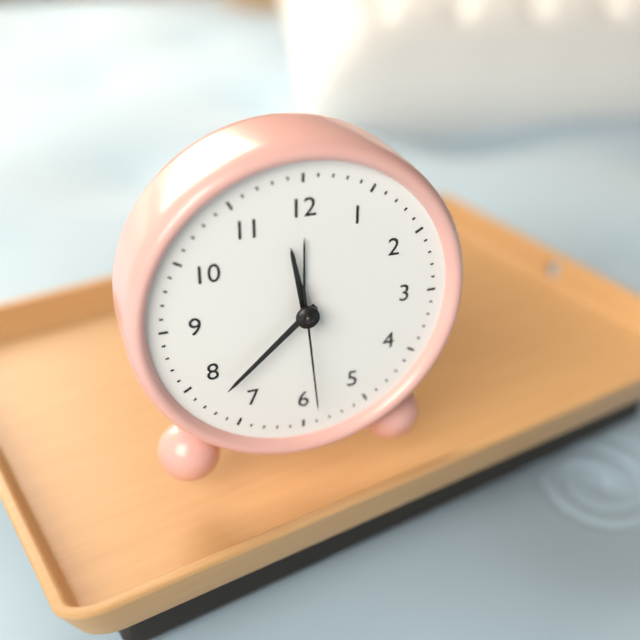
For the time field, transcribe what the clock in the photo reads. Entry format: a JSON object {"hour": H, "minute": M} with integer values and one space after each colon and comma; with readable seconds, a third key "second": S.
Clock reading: {"hour": 11, "minute": 38, "second": 29}
